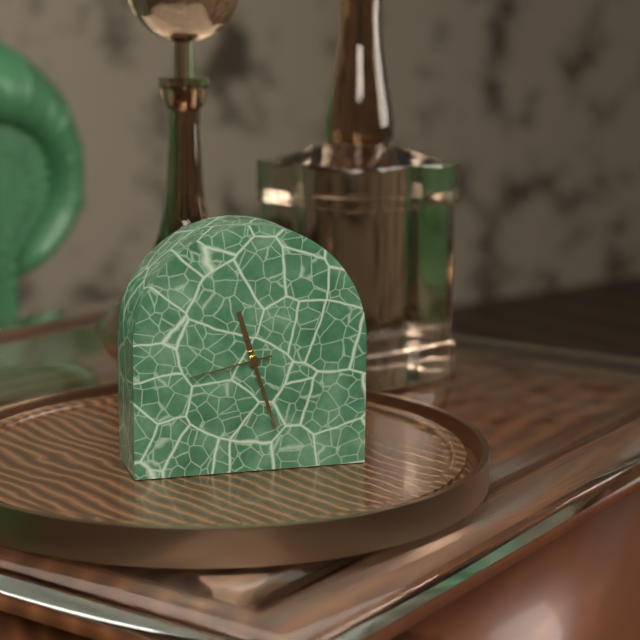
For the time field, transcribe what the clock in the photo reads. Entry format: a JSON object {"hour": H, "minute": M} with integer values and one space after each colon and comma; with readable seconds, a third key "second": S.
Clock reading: {"hour": 11, "minute": 27, "second": 43}
